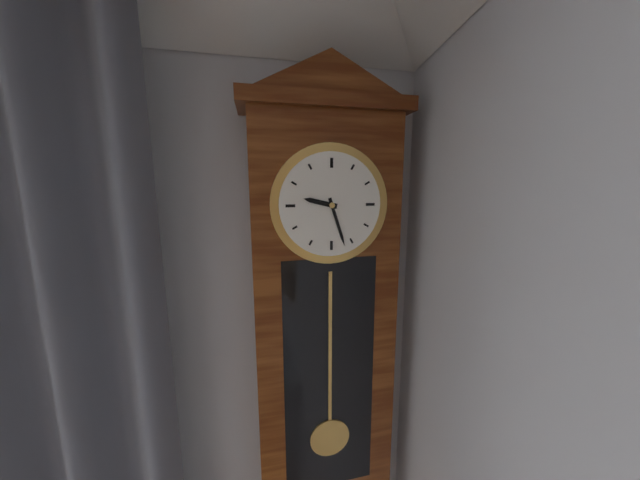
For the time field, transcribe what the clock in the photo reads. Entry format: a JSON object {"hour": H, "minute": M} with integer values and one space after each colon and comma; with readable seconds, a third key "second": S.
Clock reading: {"hour": 9, "minute": 27}
